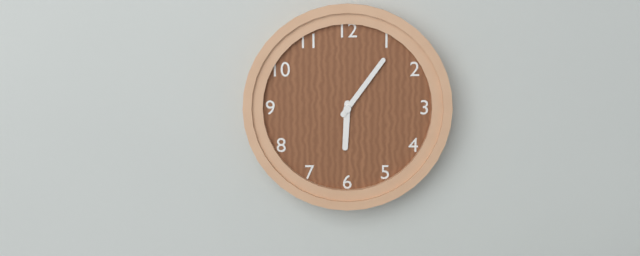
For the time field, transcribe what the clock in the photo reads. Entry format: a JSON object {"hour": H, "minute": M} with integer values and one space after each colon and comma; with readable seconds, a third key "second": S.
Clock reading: {"hour": 6, "minute": 6}
